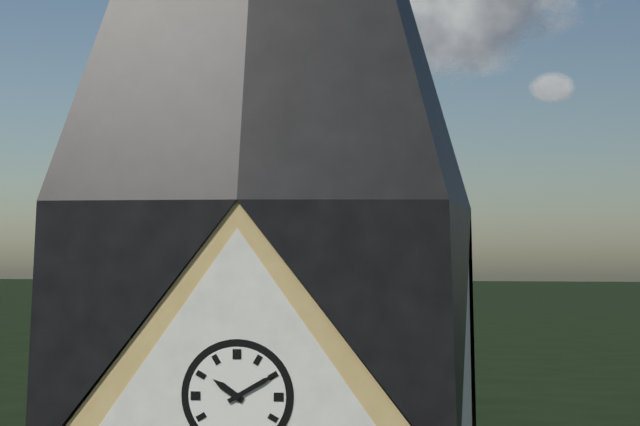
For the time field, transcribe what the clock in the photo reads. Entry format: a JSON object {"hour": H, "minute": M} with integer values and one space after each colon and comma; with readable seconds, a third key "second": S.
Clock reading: {"hour": 10, "minute": 10}
